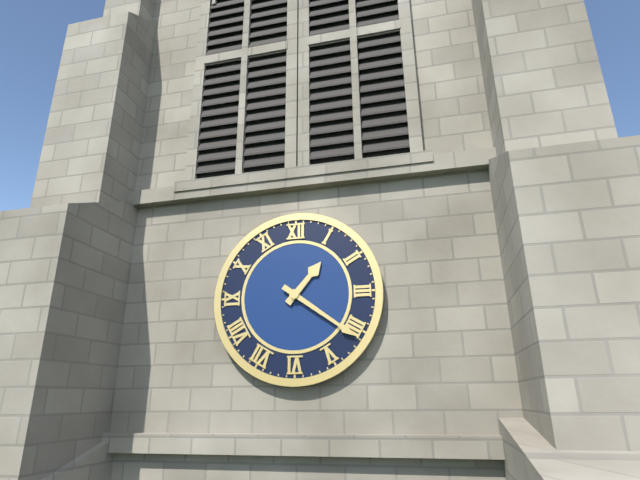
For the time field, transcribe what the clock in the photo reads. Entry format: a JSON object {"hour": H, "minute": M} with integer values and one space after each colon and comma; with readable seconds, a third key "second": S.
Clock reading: {"hour": 1, "minute": 21}
